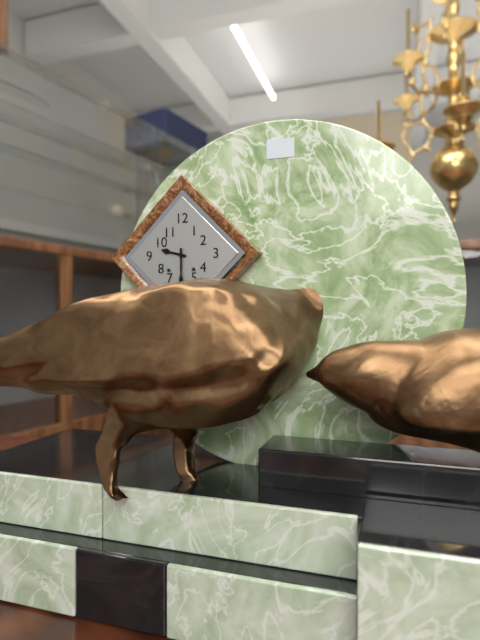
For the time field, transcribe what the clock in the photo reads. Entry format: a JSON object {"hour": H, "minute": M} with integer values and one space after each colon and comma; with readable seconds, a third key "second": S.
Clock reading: {"hour": 9, "minute": 30}
